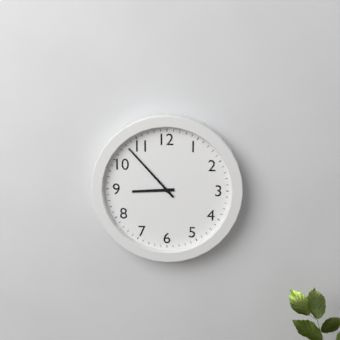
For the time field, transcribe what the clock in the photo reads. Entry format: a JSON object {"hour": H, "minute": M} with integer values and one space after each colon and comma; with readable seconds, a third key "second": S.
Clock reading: {"hour": 8, "minute": 53}
